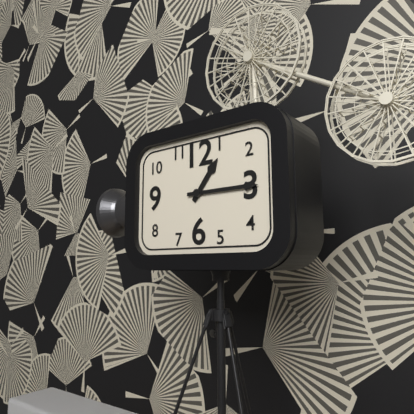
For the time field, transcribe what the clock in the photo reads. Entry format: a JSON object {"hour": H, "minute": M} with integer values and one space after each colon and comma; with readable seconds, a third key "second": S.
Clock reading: {"hour": 1, "minute": 15}
